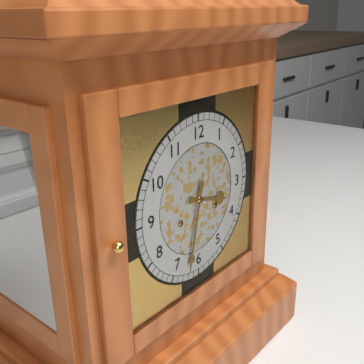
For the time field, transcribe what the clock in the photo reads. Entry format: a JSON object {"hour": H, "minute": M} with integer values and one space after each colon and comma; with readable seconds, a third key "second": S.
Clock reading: {"hour": 3, "minute": 32}
